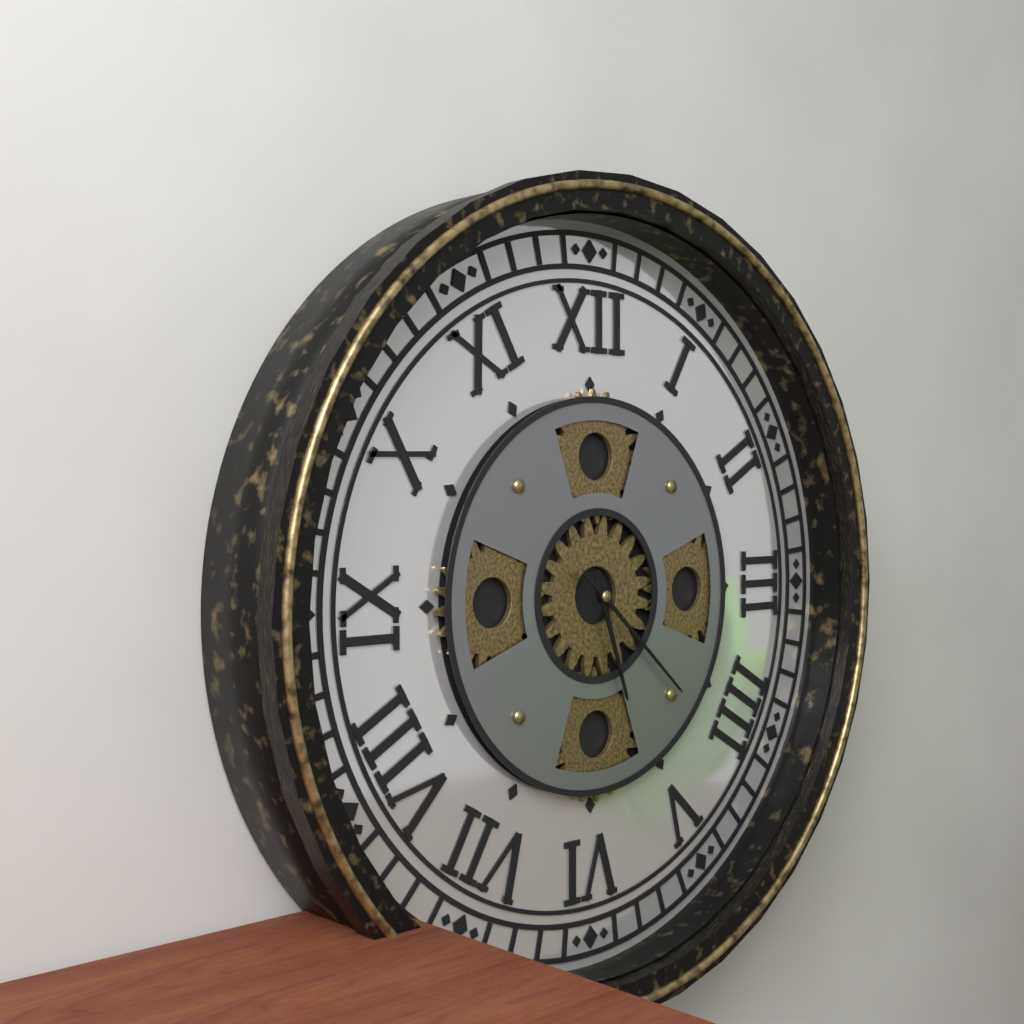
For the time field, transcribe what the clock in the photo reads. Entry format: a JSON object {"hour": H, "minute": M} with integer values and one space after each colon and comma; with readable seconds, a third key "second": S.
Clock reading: {"hour": 5, "minute": 22}
